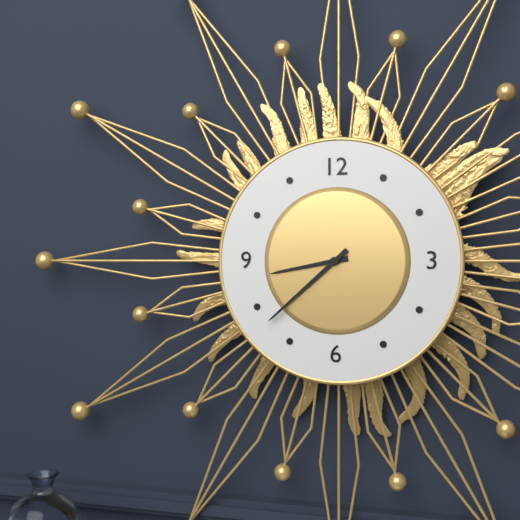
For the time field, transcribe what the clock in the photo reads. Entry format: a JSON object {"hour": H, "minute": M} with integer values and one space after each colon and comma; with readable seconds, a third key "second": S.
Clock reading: {"hour": 8, "minute": 38}
